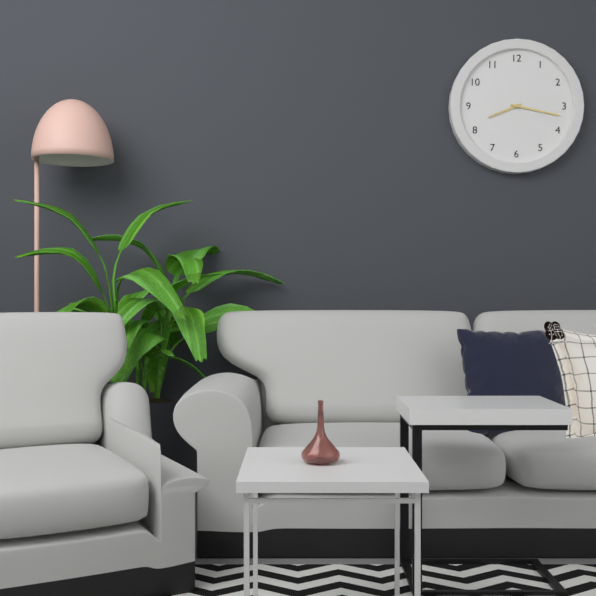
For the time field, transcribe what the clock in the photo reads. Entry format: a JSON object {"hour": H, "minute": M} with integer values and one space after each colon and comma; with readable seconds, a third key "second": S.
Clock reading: {"hour": 8, "minute": 17}
